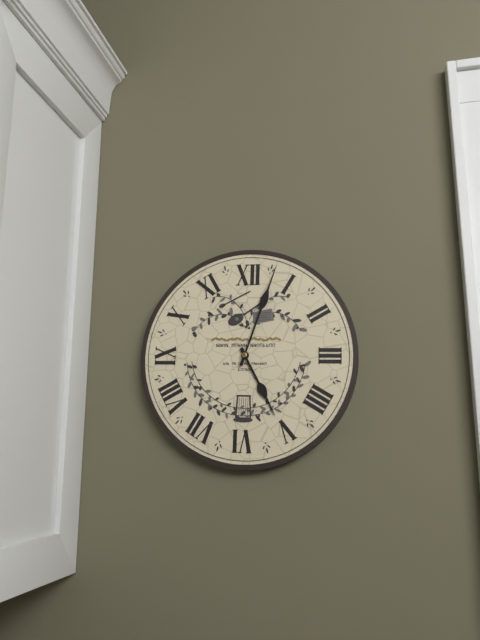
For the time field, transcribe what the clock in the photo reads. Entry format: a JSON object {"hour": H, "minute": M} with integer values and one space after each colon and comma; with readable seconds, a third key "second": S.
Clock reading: {"hour": 5, "minute": 3}
